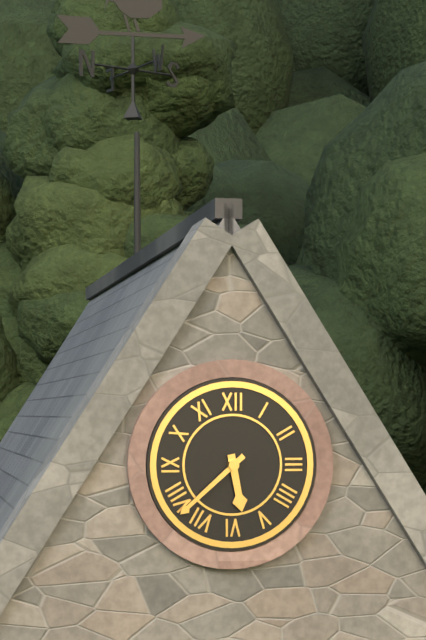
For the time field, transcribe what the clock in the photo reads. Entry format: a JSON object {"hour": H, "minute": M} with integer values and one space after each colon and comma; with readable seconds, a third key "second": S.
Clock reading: {"hour": 5, "minute": 38}
